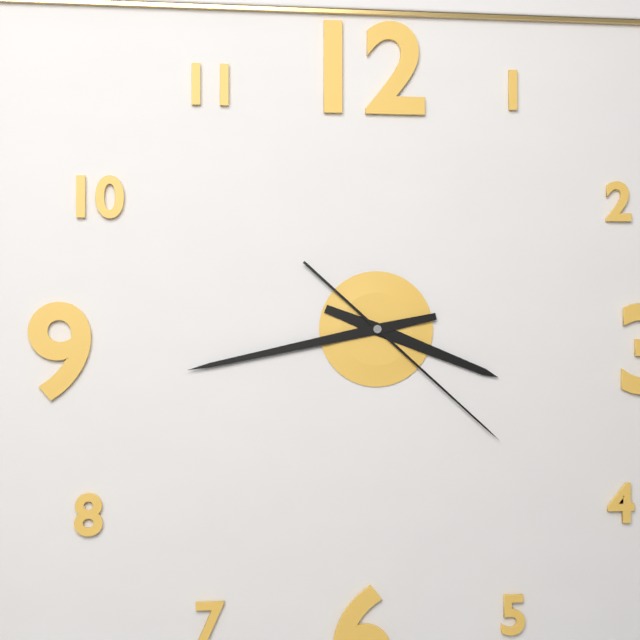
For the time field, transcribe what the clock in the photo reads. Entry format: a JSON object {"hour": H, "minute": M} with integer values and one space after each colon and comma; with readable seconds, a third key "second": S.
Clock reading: {"hour": 3, "minute": 43, "second": 22}
